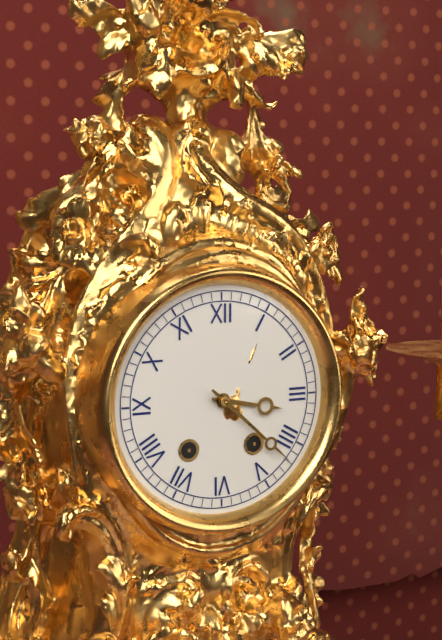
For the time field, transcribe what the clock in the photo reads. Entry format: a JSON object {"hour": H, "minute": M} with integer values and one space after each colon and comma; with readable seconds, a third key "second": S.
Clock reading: {"hour": 3, "minute": 22}
